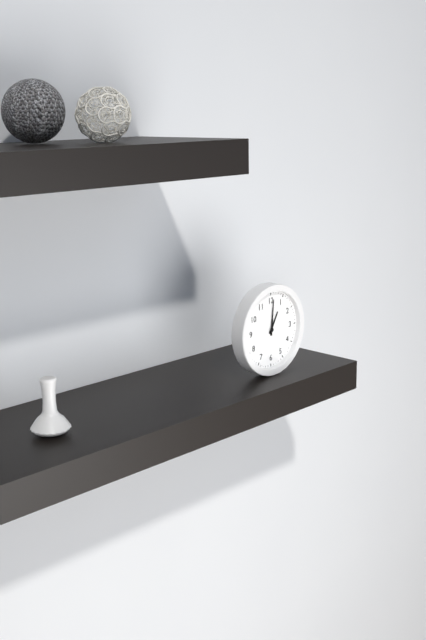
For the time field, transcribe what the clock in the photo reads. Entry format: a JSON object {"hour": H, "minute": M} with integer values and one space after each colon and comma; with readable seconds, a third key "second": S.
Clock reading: {"hour": 1, "minute": 1}
